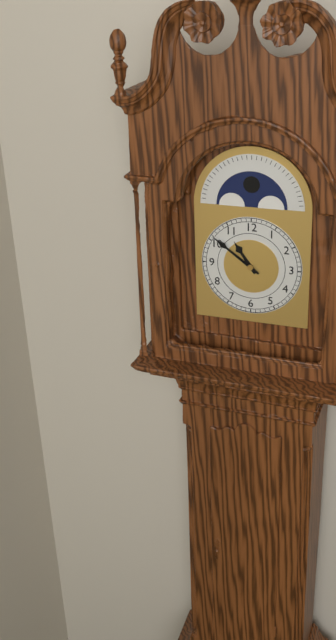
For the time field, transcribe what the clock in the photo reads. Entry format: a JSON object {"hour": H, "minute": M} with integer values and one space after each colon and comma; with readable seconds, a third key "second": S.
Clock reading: {"hour": 10, "minute": 51}
